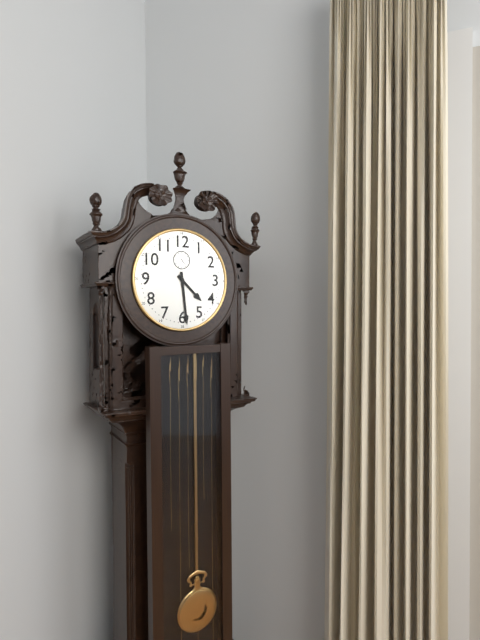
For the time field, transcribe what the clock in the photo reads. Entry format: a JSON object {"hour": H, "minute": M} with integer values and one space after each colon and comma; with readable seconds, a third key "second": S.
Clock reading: {"hour": 4, "minute": 29}
